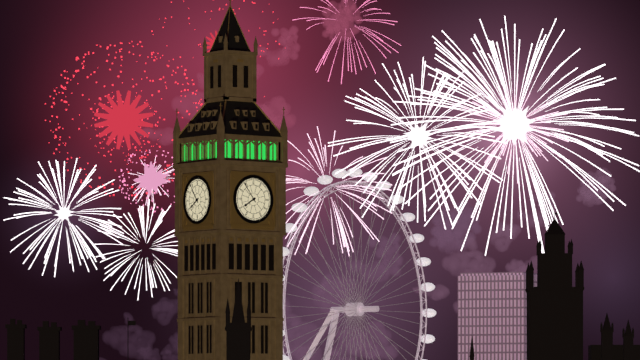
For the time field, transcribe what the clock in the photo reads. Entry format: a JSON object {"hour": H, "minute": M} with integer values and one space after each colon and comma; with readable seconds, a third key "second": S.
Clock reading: {"hour": 7, "minute": 54}
